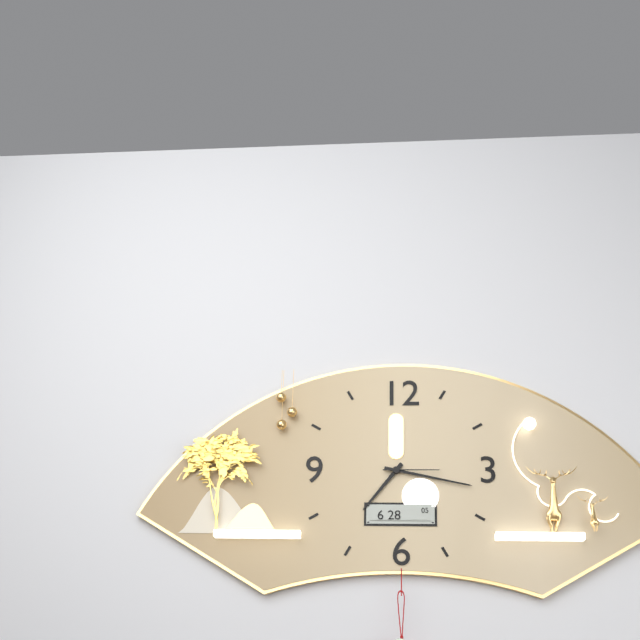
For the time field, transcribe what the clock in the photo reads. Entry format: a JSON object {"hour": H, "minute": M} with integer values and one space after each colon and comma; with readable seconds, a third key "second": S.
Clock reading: {"hour": 7, "minute": 17, "second": 15}
